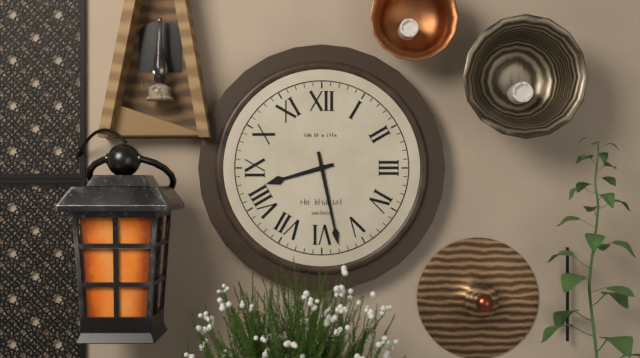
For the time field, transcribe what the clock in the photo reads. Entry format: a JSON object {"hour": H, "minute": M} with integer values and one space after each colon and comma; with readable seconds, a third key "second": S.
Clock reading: {"hour": 8, "minute": 28}
